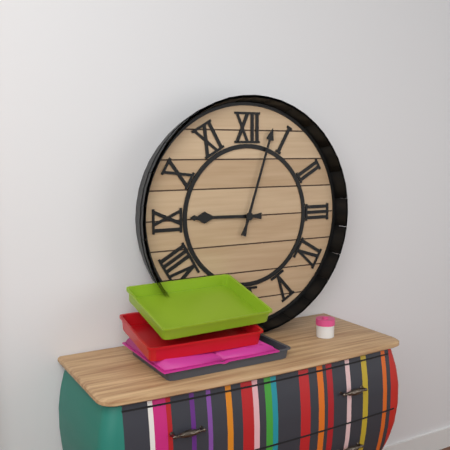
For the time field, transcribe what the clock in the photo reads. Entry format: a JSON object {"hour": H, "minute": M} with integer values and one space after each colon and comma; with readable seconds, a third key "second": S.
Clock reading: {"hour": 9, "minute": 3}
